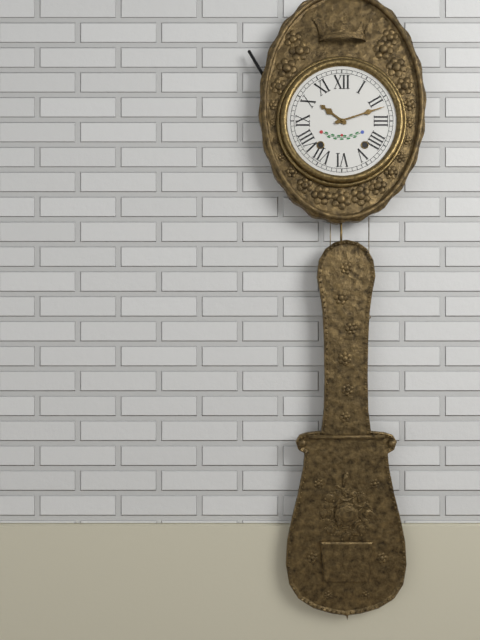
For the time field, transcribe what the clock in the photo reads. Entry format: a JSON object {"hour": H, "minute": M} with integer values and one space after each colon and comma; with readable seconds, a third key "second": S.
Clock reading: {"hour": 10, "minute": 12}
